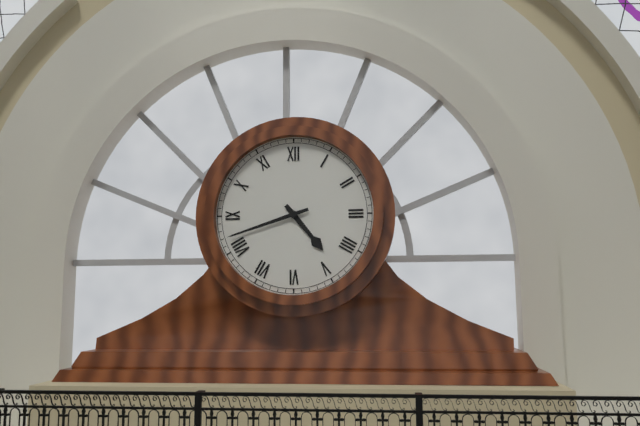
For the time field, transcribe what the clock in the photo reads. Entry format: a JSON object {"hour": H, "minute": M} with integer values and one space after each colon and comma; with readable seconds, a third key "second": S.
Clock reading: {"hour": 4, "minute": 42}
